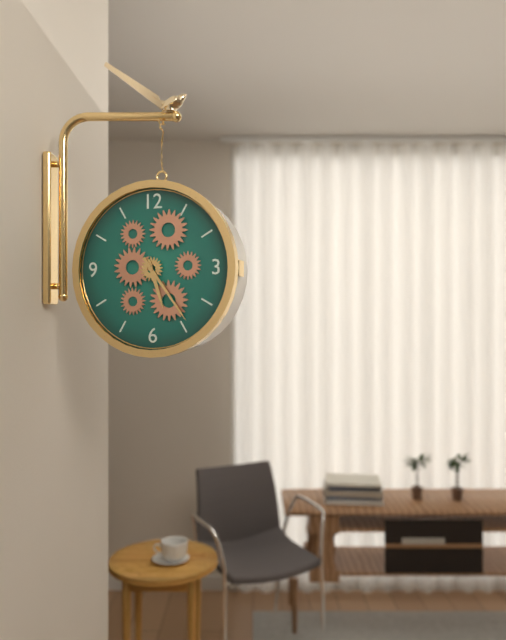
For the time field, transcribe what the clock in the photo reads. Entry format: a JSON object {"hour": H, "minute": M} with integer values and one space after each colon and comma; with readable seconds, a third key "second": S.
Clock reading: {"hour": 5, "minute": 24}
